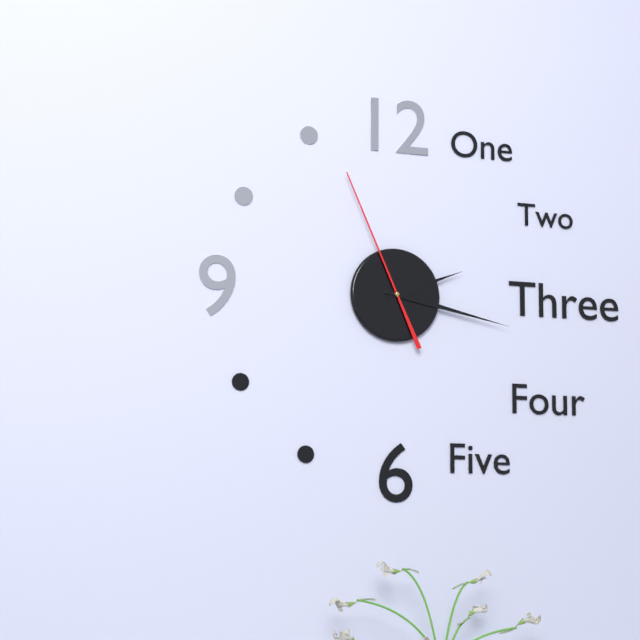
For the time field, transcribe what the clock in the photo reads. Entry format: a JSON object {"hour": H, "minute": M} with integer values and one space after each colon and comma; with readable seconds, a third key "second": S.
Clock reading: {"hour": 2, "minute": 17, "second": 56}
